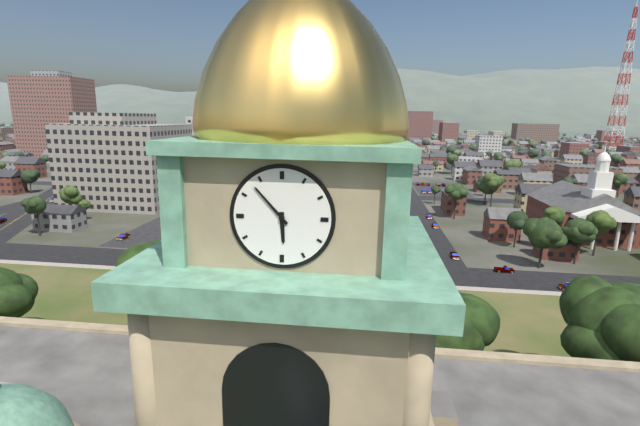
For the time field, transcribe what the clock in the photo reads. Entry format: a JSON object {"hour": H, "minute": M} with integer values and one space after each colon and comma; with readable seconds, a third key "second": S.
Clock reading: {"hour": 5, "minute": 53}
